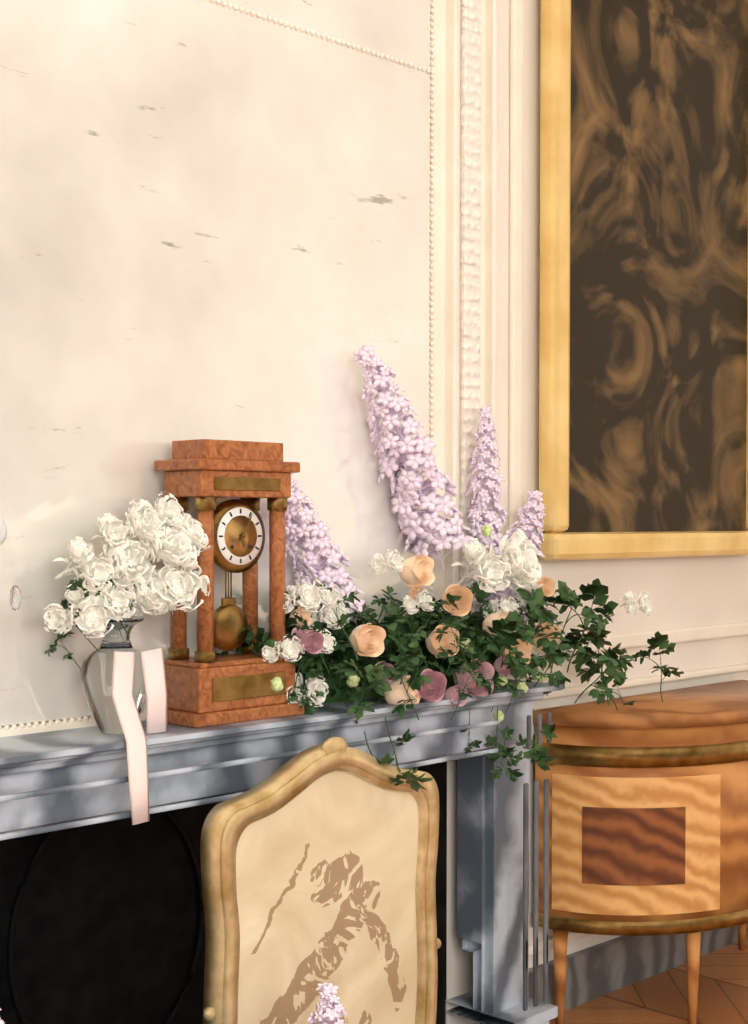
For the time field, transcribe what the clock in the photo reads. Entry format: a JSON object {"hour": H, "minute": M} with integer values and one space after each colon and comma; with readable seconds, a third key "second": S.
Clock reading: {"hour": 5, "minute": 5}
